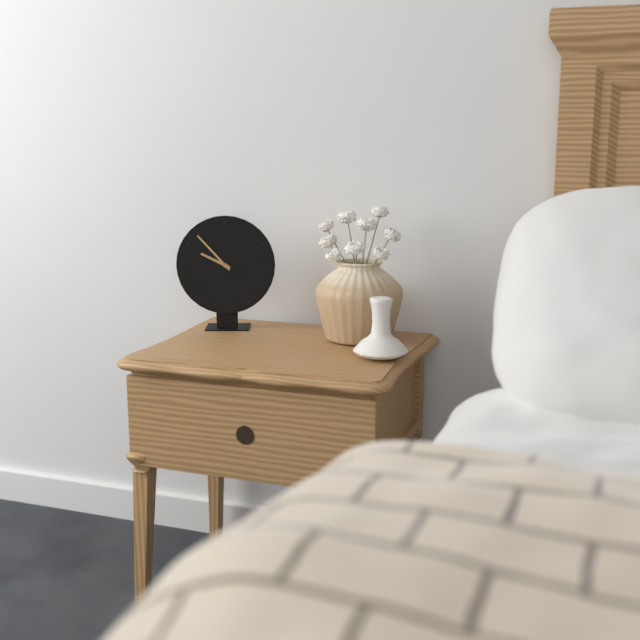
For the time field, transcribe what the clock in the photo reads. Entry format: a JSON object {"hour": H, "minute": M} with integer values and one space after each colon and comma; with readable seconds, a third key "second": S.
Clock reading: {"hour": 9, "minute": 53}
